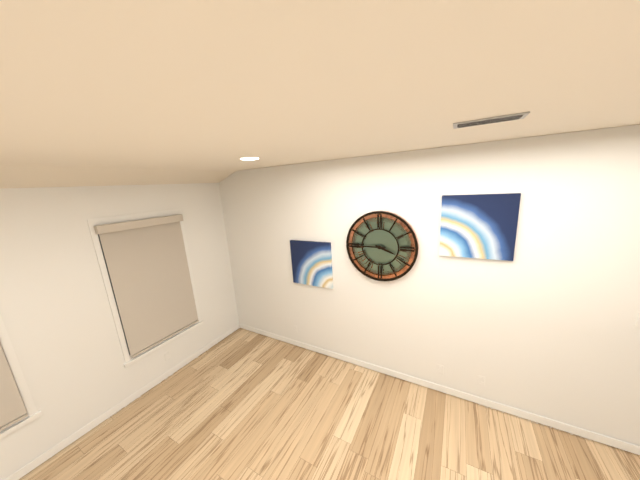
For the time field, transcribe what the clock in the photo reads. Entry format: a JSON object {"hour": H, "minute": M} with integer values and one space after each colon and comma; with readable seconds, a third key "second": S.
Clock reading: {"hour": 3, "minute": 45}
